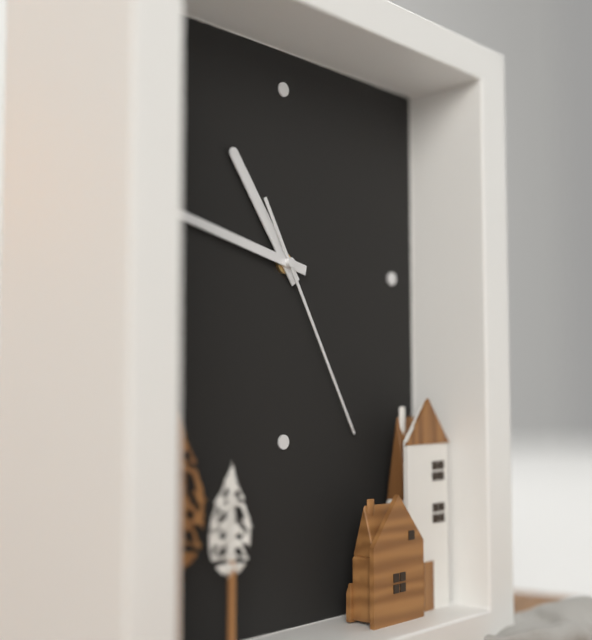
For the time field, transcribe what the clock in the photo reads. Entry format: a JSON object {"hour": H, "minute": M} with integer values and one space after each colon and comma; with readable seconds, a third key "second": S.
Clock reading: {"hour": 10, "minute": 47, "second": 25}
